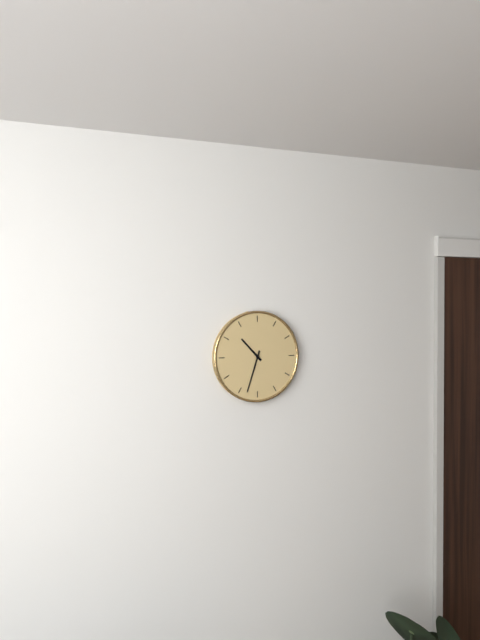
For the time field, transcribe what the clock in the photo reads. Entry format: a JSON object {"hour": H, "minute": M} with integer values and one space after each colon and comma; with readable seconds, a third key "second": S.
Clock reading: {"hour": 10, "minute": 33}
